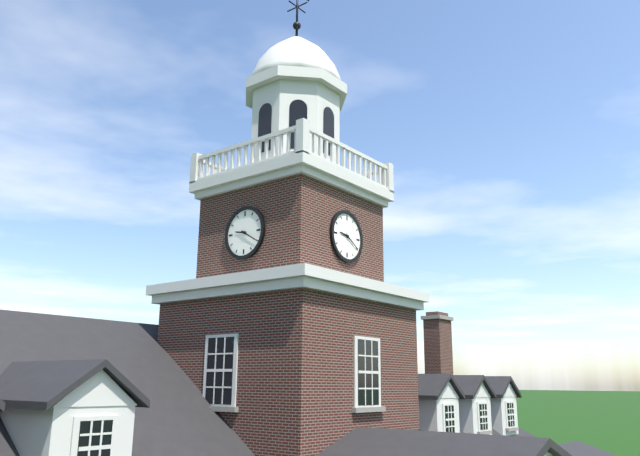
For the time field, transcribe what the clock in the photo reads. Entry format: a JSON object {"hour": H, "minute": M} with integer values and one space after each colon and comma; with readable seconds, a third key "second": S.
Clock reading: {"hour": 9, "minute": 20}
